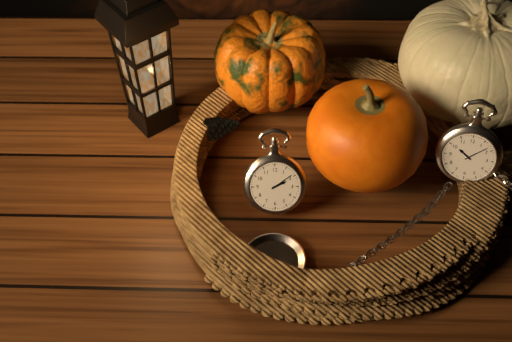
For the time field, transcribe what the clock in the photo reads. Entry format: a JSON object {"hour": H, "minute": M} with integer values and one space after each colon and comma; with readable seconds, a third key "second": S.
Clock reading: {"hour": 2, "minute": 9}
